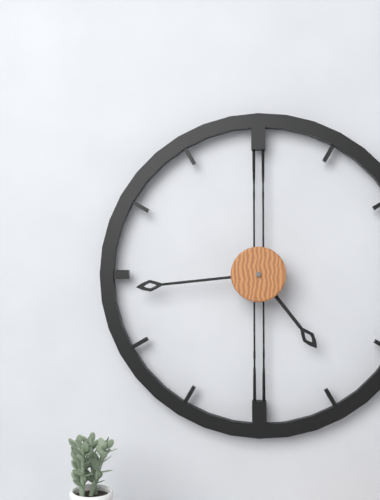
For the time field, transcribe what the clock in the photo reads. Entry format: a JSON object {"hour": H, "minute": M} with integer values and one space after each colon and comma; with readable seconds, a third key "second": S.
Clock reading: {"hour": 4, "minute": 44}
